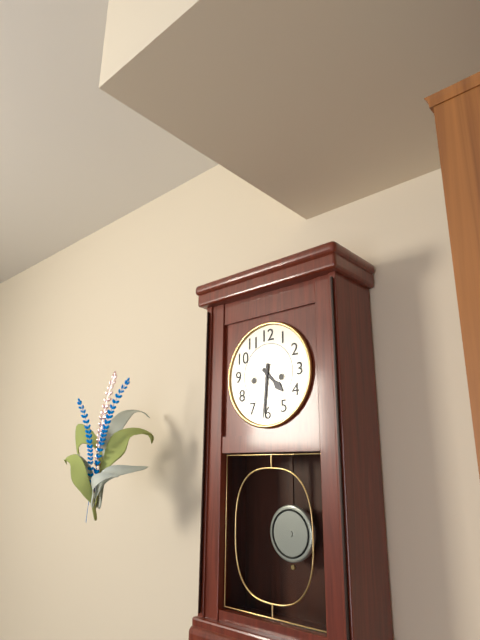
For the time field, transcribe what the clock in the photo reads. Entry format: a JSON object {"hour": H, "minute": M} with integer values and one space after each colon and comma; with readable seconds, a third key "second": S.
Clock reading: {"hour": 4, "minute": 31}
